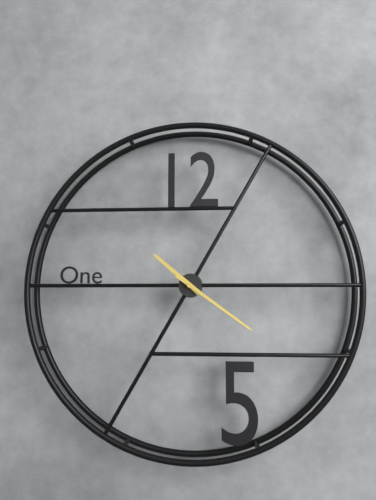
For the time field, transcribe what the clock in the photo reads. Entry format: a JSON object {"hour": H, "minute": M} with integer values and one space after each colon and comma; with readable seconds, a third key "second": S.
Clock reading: {"hour": 10, "minute": 21}
